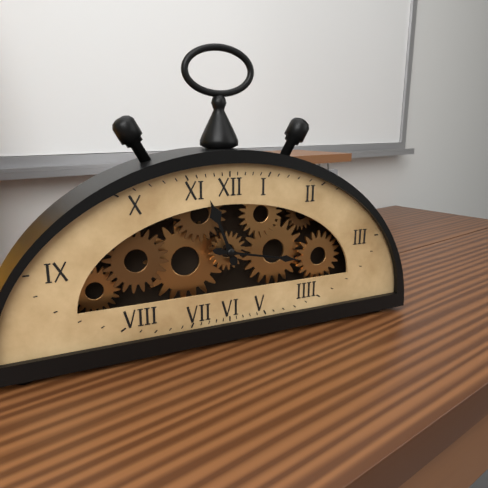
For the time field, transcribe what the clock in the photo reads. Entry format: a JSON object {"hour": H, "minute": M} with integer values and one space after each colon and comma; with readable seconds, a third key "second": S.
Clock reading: {"hour": 11, "minute": 17}
